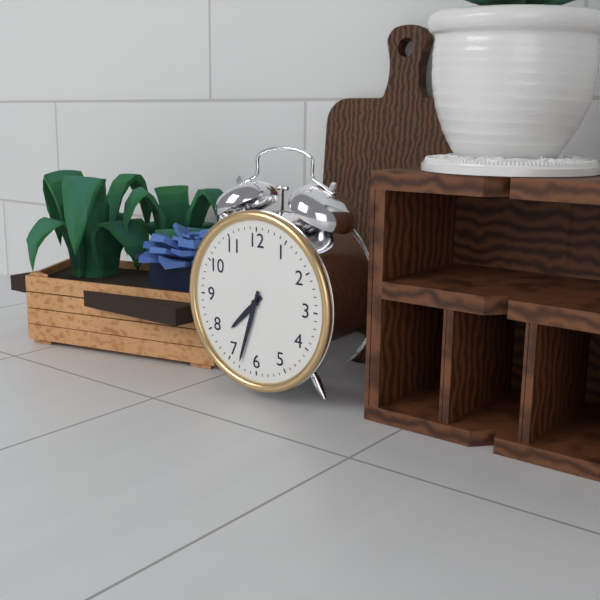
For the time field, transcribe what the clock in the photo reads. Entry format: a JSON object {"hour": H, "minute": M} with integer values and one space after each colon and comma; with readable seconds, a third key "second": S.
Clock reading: {"hour": 7, "minute": 33}
